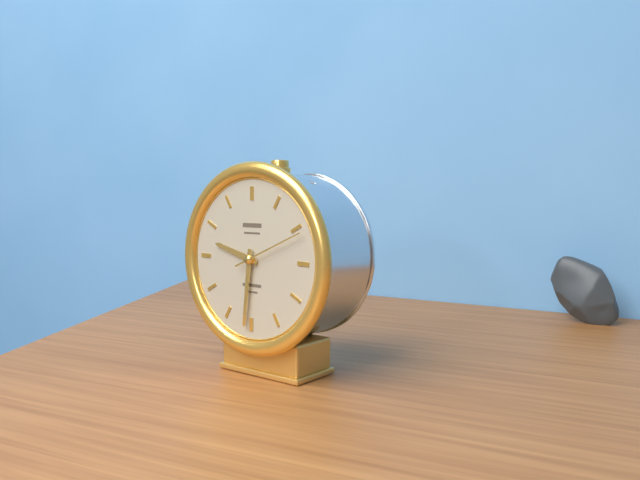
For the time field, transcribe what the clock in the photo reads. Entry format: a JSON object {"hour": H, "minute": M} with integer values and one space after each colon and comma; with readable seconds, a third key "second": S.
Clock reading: {"hour": 9, "minute": 31, "second": 11}
